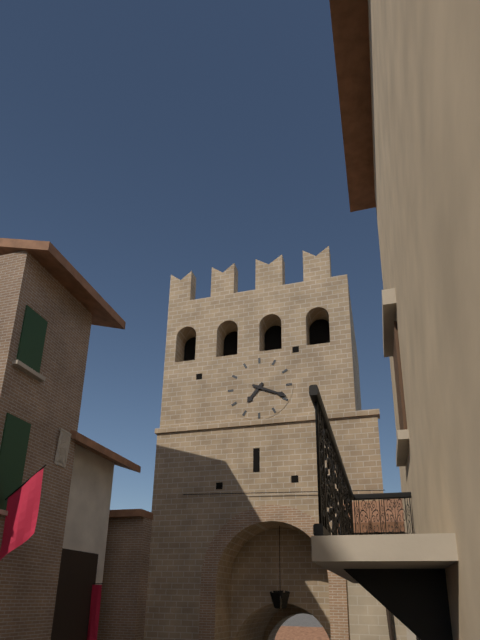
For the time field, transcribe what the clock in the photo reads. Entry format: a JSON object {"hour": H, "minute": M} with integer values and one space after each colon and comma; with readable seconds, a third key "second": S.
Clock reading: {"hour": 7, "minute": 19}
